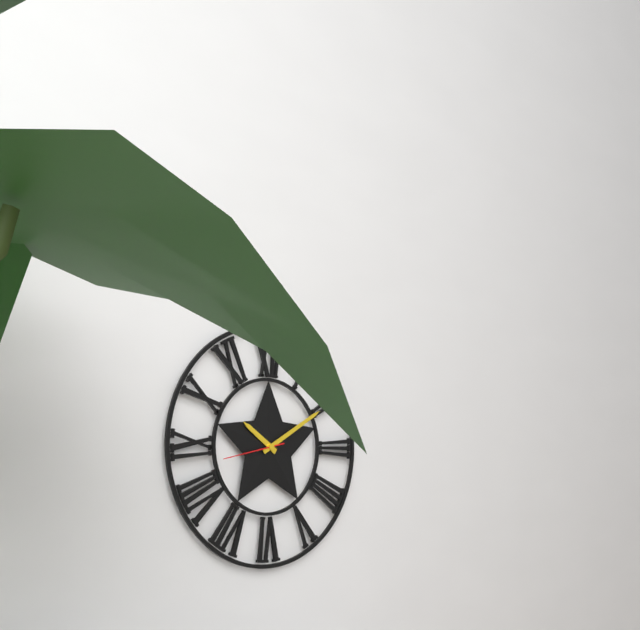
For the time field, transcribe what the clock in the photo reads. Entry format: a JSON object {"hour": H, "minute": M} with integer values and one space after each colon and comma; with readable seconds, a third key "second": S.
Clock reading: {"hour": 10, "minute": 10, "second": 43}
